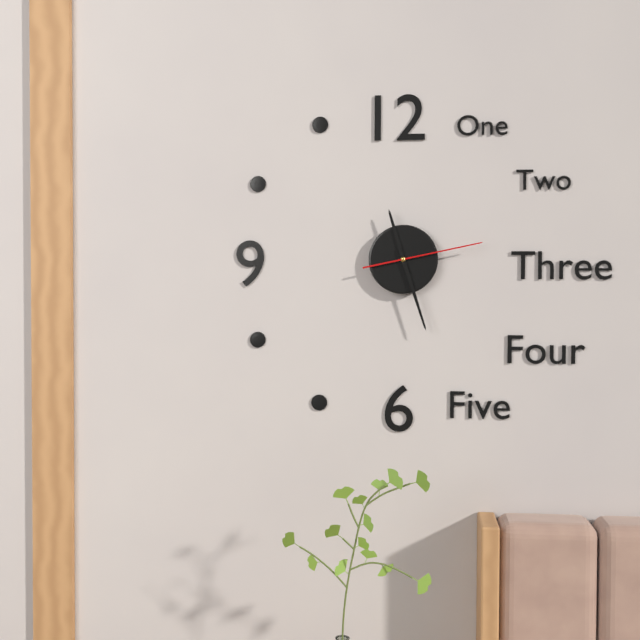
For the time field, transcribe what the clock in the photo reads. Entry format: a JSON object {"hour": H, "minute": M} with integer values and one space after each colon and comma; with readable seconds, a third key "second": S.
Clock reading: {"hour": 11, "minute": 27, "second": 13}
